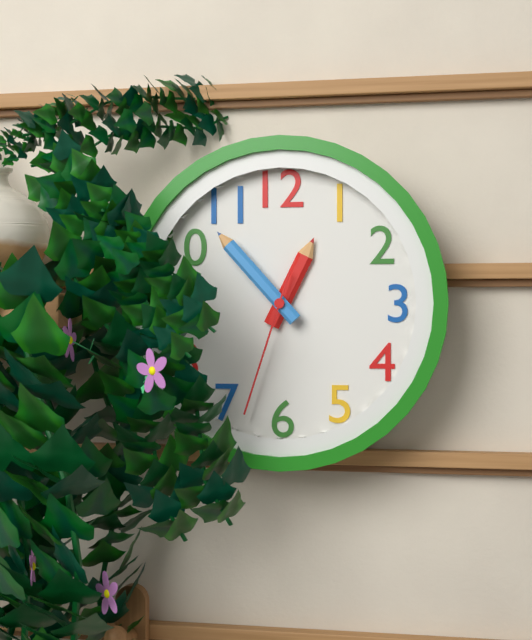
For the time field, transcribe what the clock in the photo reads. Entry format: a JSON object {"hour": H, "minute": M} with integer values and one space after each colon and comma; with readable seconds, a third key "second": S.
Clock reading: {"hour": 12, "minute": 53, "second": 33}
